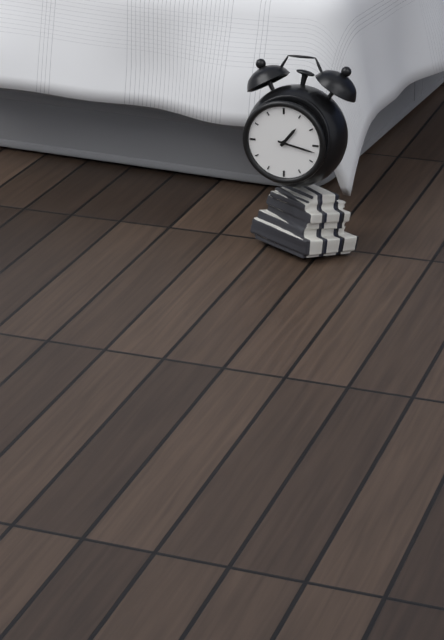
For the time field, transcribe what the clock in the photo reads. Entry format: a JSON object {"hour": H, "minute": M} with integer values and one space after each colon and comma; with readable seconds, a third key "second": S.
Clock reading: {"hour": 1, "minute": 17}
